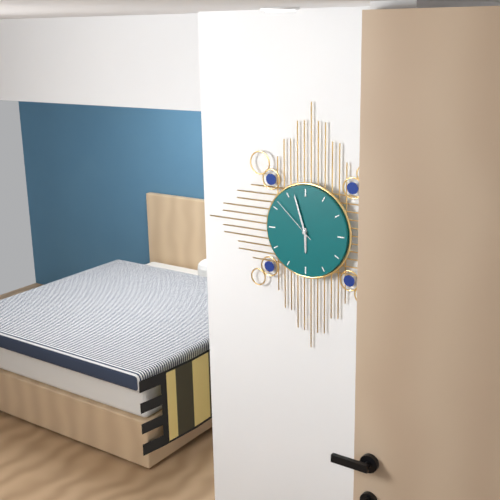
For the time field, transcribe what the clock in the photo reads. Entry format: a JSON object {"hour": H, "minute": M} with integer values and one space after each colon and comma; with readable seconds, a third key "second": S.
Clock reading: {"hour": 5, "minute": 57, "second": 52}
